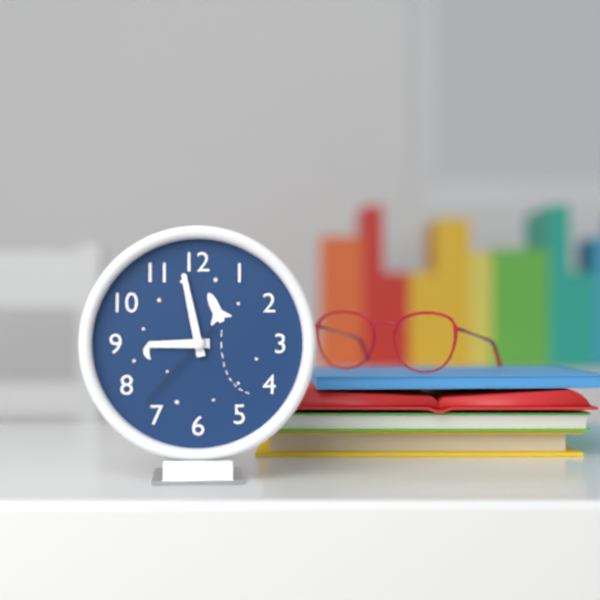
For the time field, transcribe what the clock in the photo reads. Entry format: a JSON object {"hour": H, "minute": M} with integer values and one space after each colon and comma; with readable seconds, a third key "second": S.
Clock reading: {"hour": 8, "minute": 58, "second": 37}
